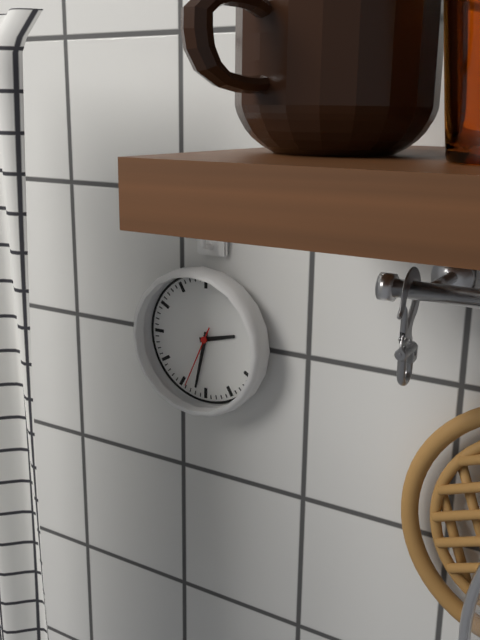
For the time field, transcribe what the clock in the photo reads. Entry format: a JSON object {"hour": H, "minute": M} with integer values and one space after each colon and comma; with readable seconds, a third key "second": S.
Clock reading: {"hour": 2, "minute": 32, "second": 34}
